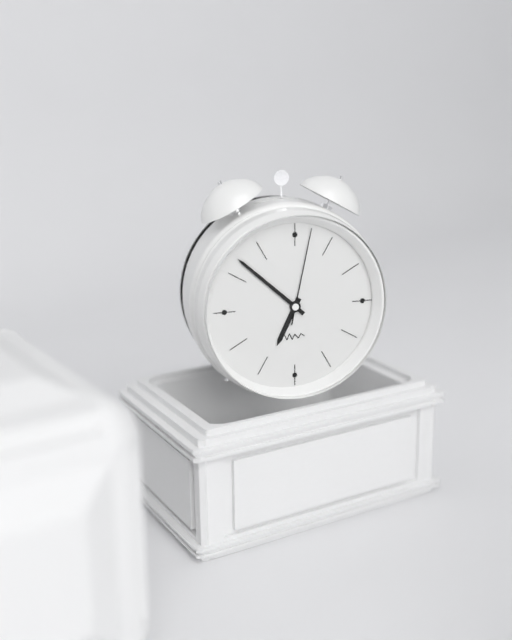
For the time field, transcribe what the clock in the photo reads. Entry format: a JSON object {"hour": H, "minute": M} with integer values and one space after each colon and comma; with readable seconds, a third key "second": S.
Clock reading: {"hour": 6, "minute": 52, "second": 2}
